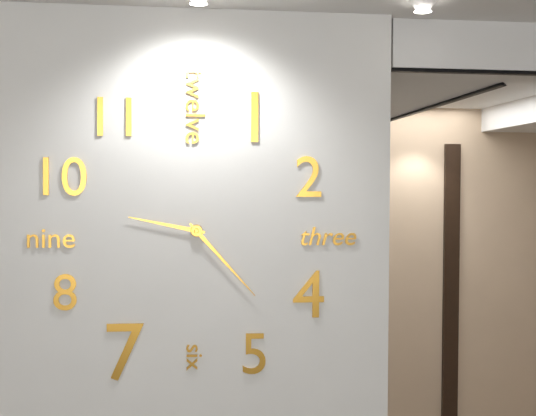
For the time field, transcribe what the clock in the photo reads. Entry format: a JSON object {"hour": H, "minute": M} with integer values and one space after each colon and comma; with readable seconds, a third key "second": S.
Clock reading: {"hour": 9, "minute": 23}
